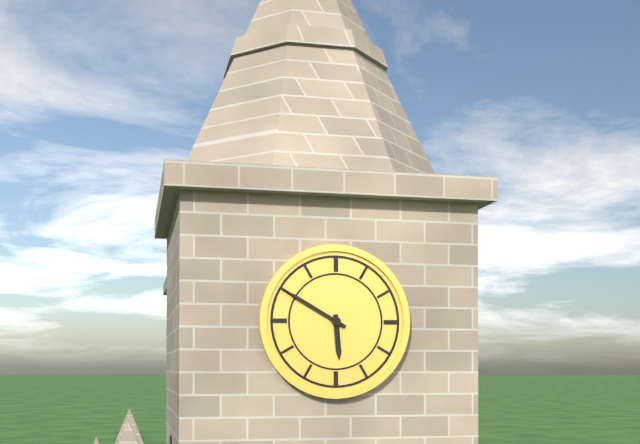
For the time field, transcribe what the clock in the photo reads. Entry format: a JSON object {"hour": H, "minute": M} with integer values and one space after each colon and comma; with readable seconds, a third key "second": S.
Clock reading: {"hour": 5, "minute": 50}
